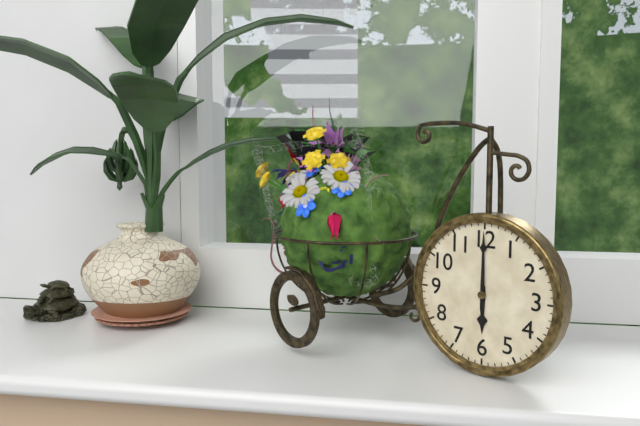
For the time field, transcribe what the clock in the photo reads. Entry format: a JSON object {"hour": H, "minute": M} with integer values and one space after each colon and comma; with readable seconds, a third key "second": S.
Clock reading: {"hour": 6, "minute": 0}
